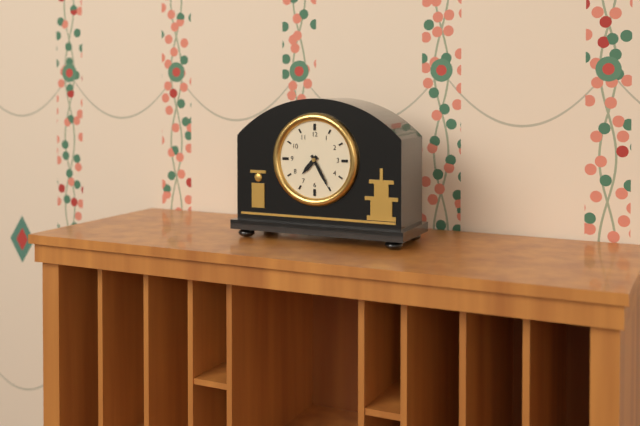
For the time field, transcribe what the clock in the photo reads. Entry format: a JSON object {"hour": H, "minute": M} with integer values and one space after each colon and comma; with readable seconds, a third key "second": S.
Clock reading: {"hour": 7, "minute": 25}
